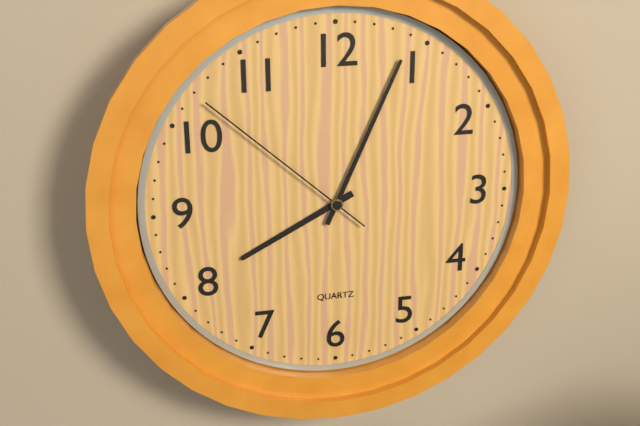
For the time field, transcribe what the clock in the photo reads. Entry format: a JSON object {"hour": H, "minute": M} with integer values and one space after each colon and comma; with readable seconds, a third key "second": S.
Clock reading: {"hour": 8, "minute": 4, "second": 52}
